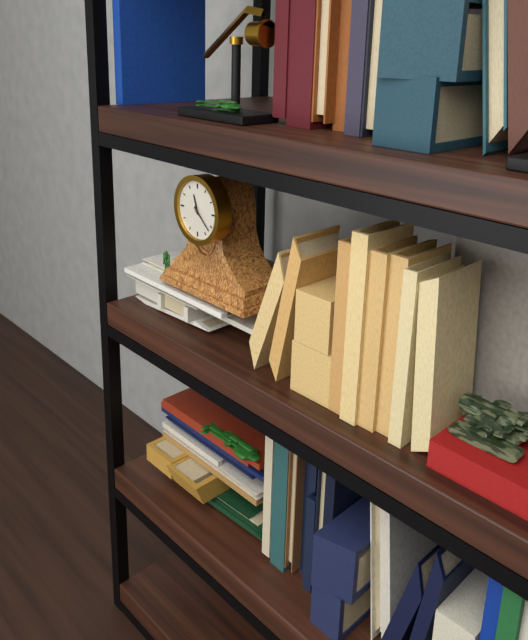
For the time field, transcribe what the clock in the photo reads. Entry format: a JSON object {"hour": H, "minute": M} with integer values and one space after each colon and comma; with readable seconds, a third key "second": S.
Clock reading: {"hour": 11, "minute": 22}
